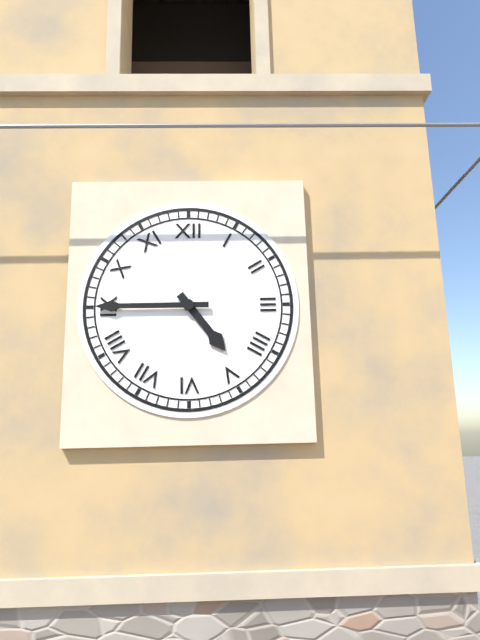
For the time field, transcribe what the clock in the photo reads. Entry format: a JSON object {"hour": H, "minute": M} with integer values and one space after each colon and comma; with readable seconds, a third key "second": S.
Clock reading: {"hour": 4, "minute": 45}
